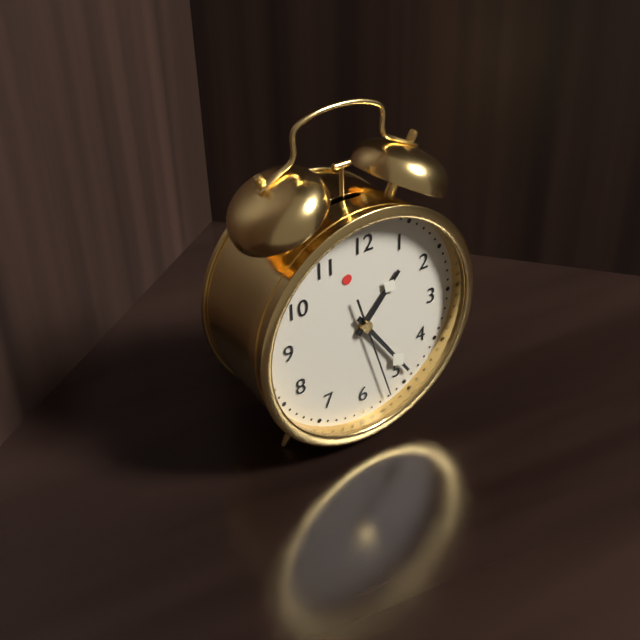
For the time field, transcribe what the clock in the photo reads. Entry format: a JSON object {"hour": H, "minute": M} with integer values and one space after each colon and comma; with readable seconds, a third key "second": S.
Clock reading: {"hour": 1, "minute": 24, "second": 27}
